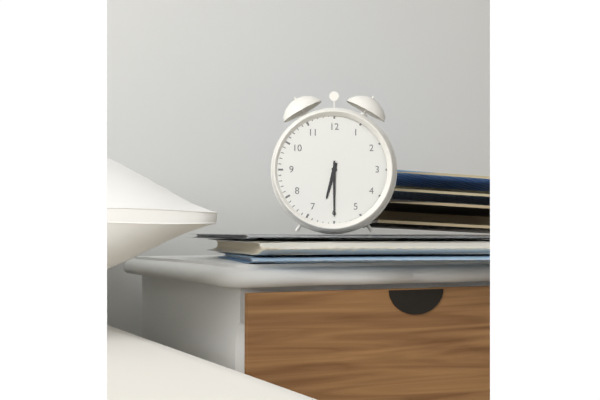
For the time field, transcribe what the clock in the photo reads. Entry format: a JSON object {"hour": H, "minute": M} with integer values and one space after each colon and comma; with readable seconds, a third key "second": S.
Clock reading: {"hour": 6, "minute": 30}
